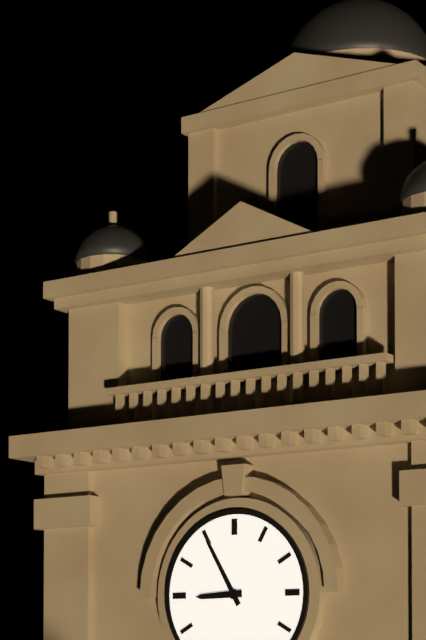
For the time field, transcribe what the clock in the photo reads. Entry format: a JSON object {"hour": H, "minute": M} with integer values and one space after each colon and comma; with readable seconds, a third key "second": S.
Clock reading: {"hour": 8, "minute": 55}
